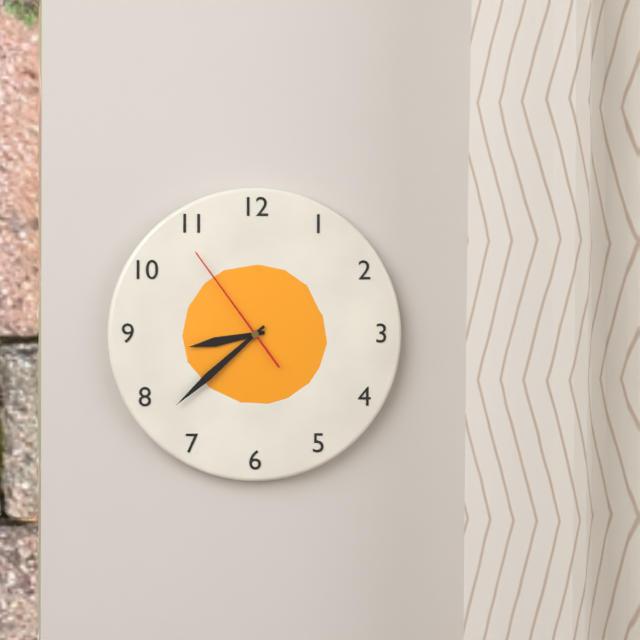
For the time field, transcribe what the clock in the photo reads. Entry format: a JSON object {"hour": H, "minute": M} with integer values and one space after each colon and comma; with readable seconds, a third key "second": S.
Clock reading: {"hour": 8, "minute": 38, "second": 54}
